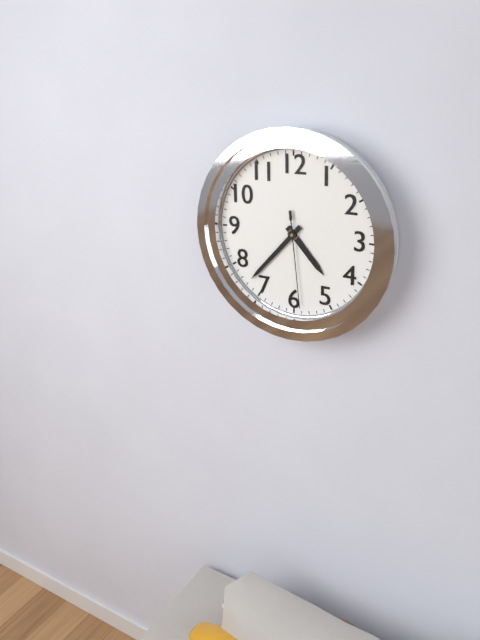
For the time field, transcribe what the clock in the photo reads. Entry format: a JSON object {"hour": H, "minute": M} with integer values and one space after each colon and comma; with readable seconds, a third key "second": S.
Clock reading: {"hour": 4, "minute": 37, "second": 29}
